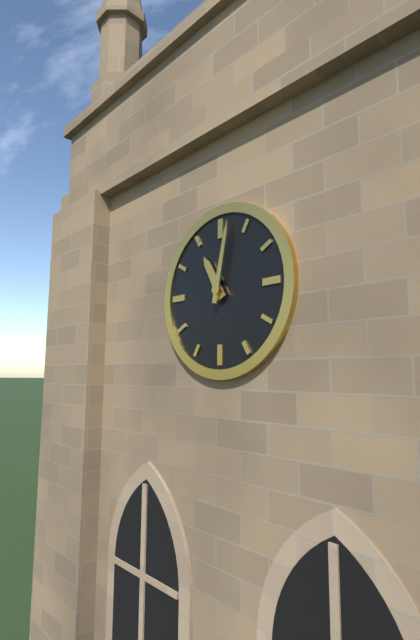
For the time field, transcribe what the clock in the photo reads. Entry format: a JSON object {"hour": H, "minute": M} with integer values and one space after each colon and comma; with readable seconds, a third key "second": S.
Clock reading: {"hour": 11, "minute": 2}
